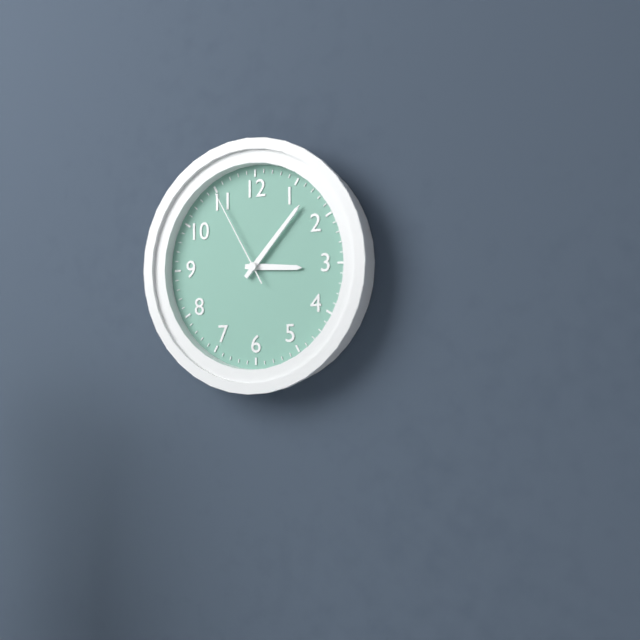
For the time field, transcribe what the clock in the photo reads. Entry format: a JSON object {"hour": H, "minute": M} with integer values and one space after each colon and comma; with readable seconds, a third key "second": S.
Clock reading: {"hour": 3, "minute": 7, "second": 55}
